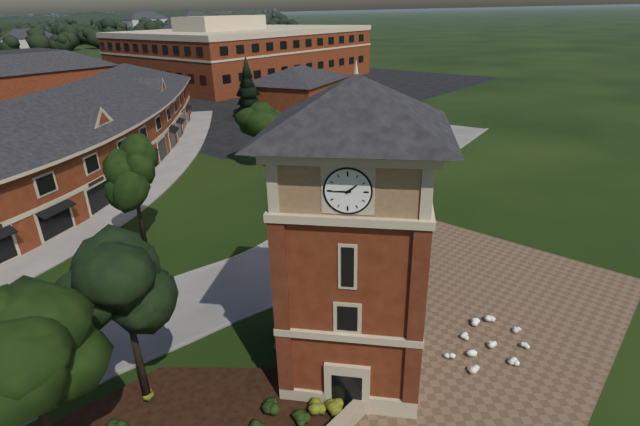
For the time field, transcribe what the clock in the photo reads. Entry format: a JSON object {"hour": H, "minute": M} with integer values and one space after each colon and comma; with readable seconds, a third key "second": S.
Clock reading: {"hour": 1, "minute": 45}
